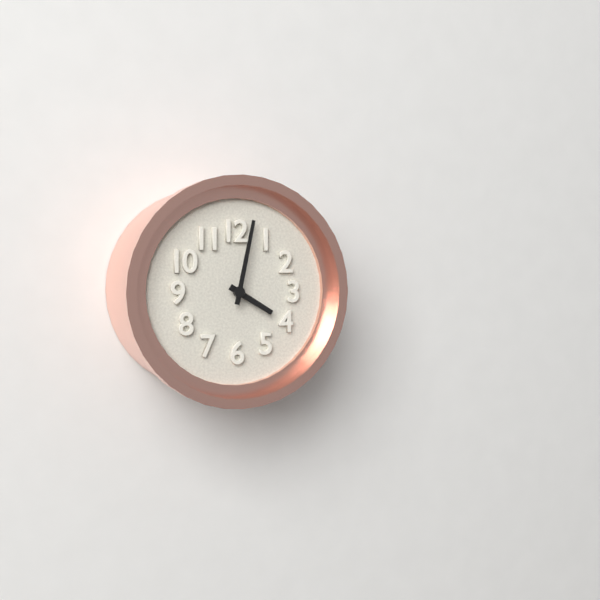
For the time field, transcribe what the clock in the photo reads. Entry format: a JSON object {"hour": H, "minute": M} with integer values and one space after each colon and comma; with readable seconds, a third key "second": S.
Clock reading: {"hour": 4, "minute": 2}
